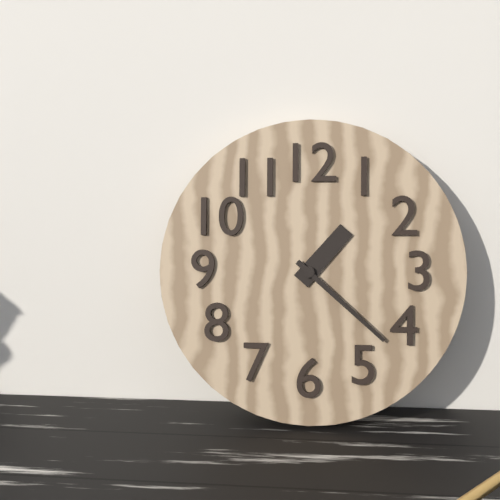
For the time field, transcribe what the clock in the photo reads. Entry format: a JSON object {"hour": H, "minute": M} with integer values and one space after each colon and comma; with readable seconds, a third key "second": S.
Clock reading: {"hour": 1, "minute": 22}
